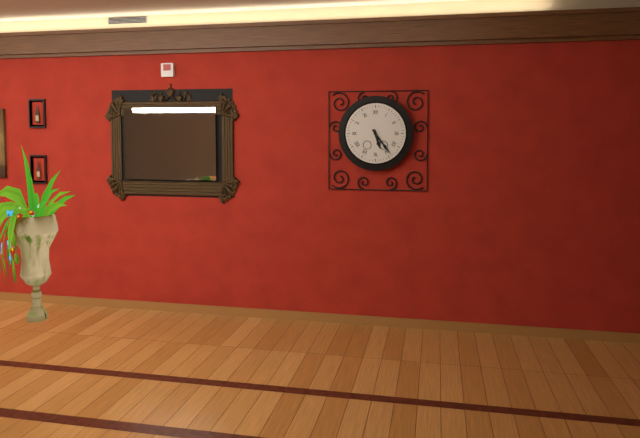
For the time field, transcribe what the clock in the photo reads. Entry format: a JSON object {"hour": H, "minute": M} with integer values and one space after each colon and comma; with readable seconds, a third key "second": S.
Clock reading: {"hour": 5, "minute": 24}
